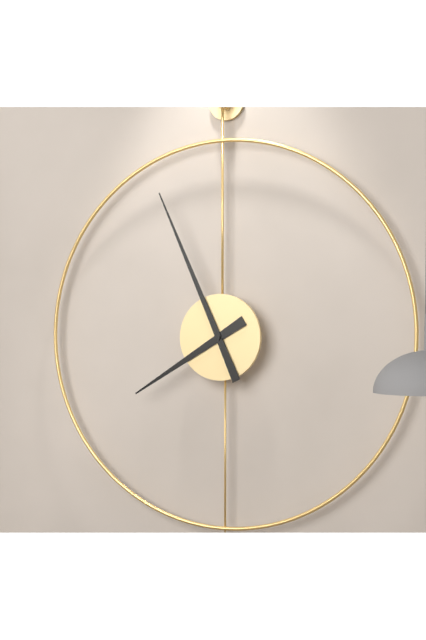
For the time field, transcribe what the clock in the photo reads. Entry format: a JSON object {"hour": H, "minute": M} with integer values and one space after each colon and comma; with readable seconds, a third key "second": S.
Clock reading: {"hour": 7, "minute": 56}
